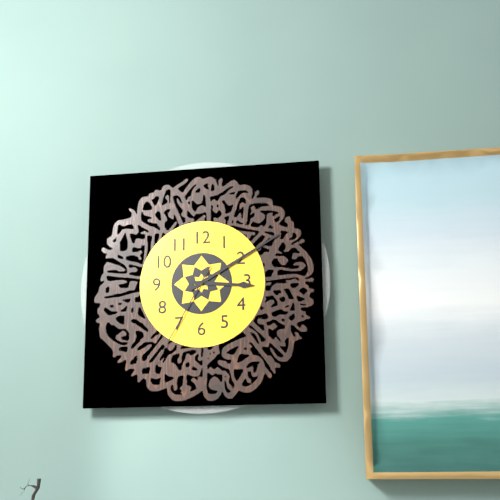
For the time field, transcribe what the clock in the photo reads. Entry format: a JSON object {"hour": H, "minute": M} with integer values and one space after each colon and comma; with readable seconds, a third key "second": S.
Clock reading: {"hour": 3, "minute": 10, "second": 35}
